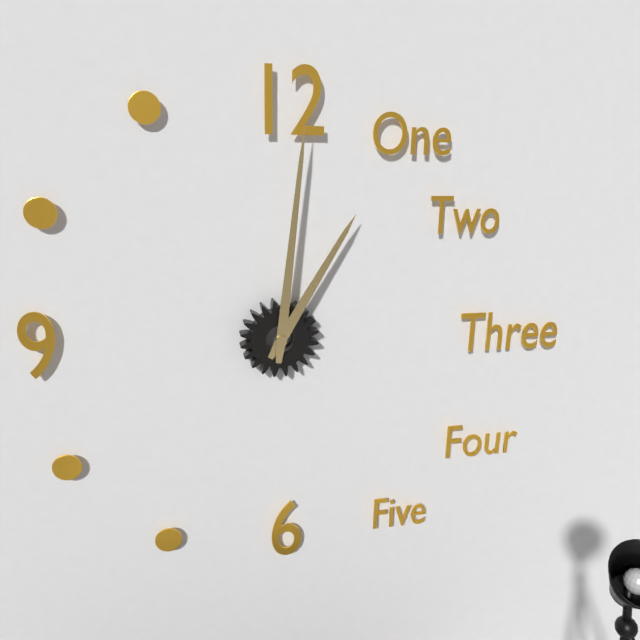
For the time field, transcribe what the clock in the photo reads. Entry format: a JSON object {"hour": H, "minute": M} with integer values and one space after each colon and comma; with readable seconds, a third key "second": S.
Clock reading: {"hour": 1, "minute": 1}
